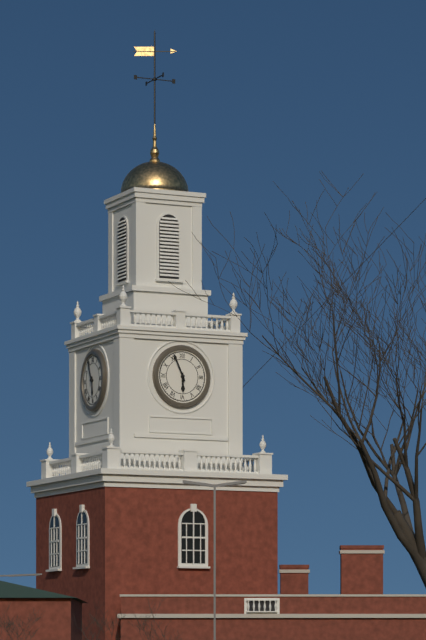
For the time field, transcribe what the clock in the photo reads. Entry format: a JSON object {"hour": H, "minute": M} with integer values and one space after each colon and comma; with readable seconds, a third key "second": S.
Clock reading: {"hour": 5, "minute": 56}
